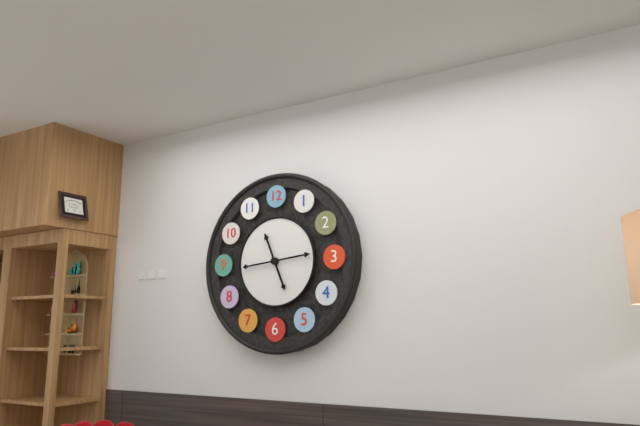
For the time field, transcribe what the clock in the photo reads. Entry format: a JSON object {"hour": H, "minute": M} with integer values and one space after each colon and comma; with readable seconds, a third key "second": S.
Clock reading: {"hour": 11, "minute": 14}
